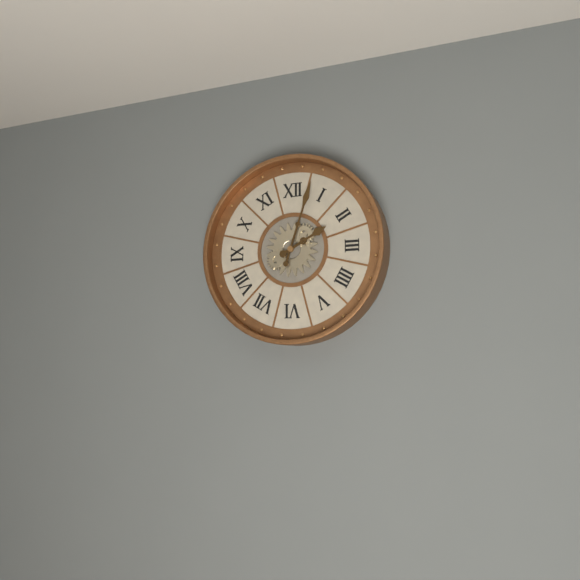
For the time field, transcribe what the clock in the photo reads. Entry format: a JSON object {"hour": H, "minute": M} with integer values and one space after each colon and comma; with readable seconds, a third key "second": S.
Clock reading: {"hour": 2, "minute": 3}
